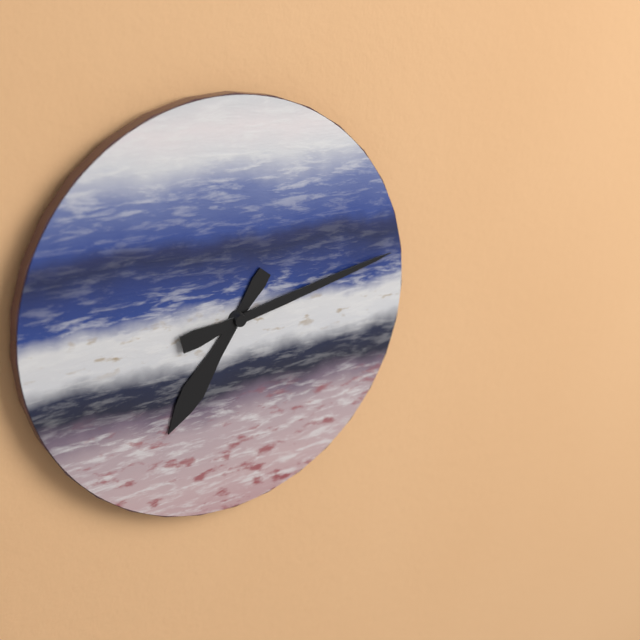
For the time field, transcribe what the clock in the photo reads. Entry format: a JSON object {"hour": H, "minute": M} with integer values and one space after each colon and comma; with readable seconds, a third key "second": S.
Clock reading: {"hour": 7, "minute": 13}
